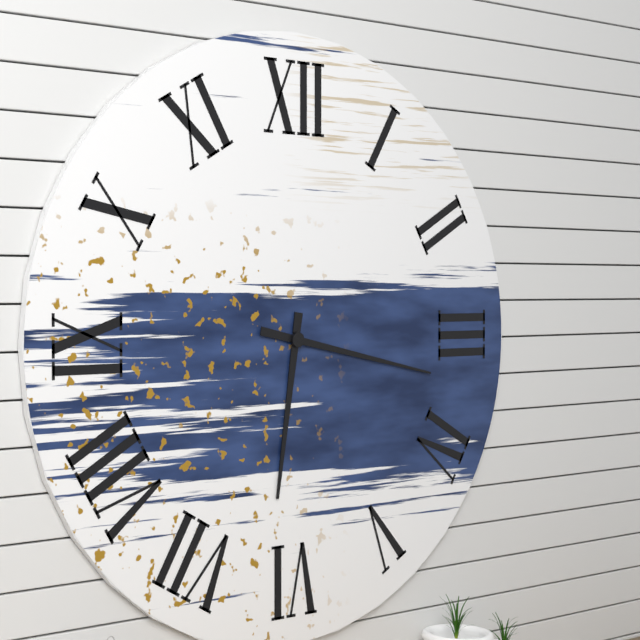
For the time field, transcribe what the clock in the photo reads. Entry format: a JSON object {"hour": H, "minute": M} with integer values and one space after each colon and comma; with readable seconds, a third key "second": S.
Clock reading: {"hour": 6, "minute": 17}
